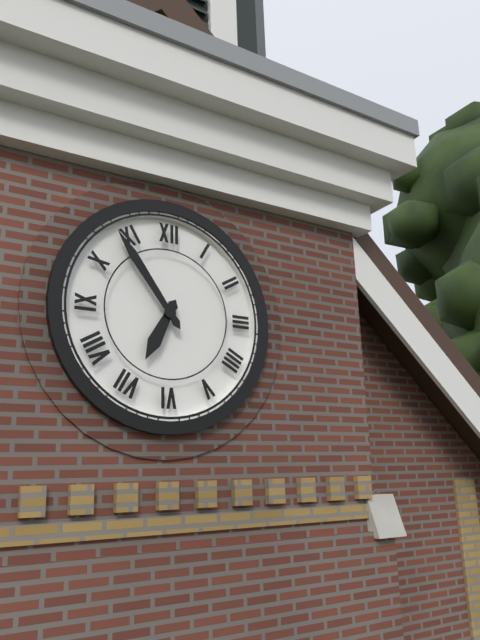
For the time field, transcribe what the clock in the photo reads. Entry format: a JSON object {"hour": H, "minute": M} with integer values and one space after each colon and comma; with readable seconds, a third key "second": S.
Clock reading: {"hour": 6, "minute": 54}
